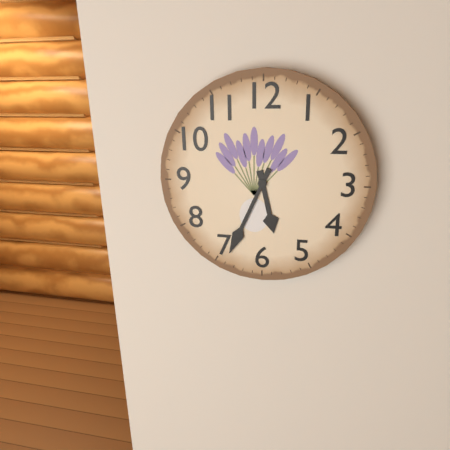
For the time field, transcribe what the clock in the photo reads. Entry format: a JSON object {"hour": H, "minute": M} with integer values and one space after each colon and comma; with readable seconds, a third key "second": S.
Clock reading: {"hour": 5, "minute": 34}
